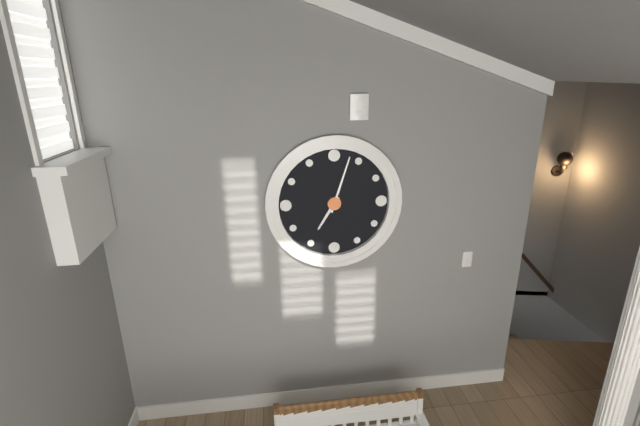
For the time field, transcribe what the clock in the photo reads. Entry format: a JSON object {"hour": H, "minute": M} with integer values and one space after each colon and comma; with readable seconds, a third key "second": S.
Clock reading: {"hour": 7, "minute": 3}
